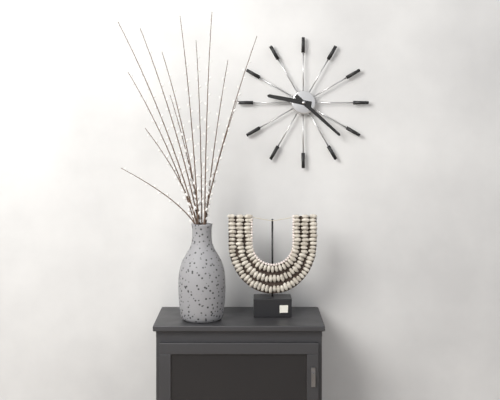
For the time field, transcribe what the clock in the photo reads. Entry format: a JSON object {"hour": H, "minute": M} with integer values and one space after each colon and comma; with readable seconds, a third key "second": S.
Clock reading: {"hour": 9, "minute": 22}
